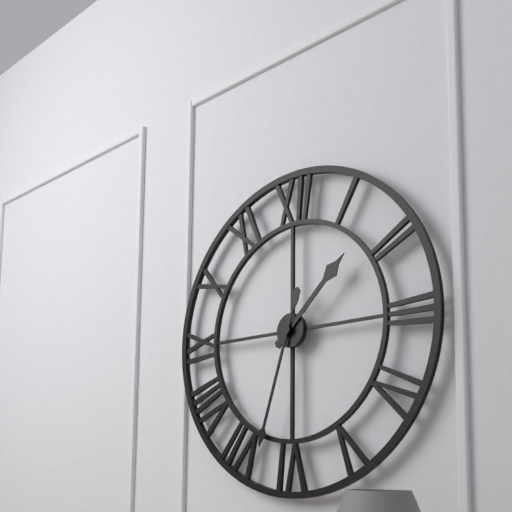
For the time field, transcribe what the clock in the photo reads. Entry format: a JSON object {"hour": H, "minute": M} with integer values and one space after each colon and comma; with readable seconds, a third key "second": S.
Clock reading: {"hour": 1, "minute": 33}
